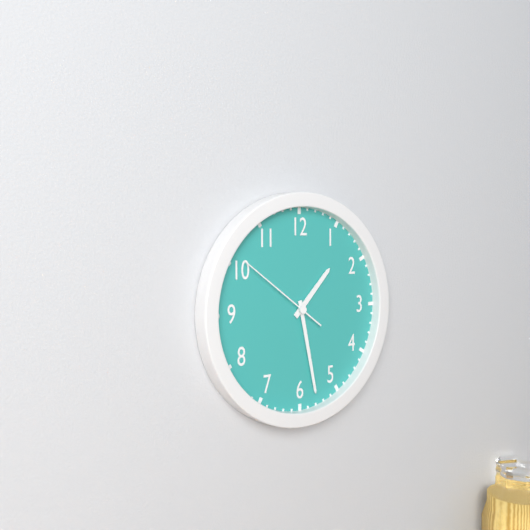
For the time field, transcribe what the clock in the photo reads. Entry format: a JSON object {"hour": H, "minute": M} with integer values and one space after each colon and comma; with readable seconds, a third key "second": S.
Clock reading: {"hour": 1, "minute": 28, "second": 51}
